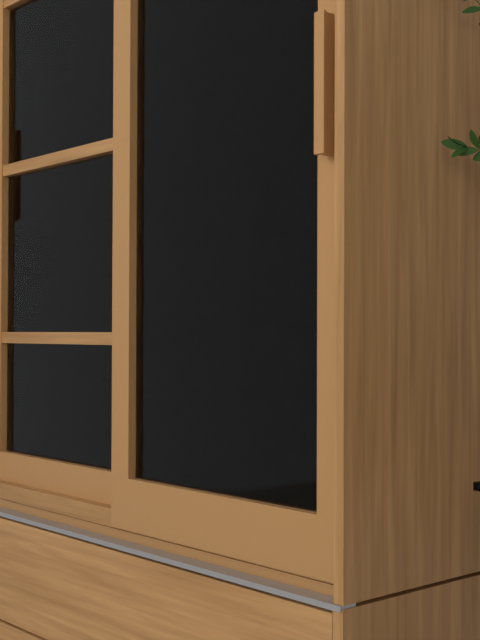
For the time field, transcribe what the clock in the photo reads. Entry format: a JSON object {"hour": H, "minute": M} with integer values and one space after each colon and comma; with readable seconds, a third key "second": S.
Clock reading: {"hour": 4, "minute": 36}
